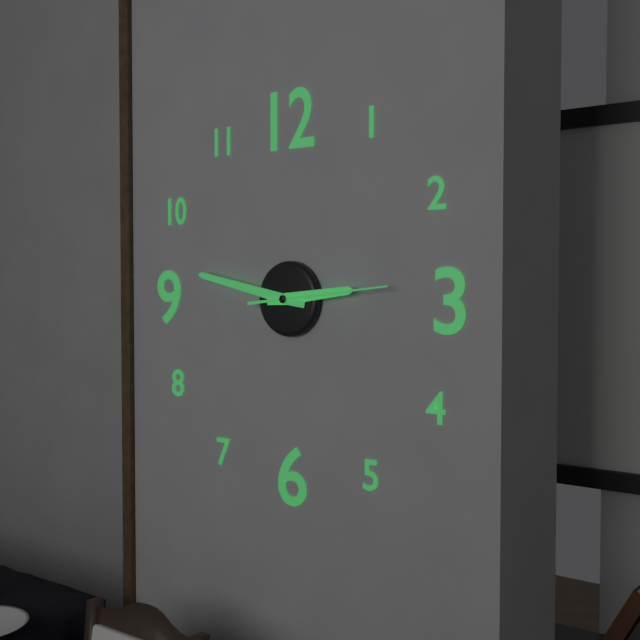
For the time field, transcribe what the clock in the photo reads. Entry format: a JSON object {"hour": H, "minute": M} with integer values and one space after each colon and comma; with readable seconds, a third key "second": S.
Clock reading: {"hour": 2, "minute": 47, "second": 14}
